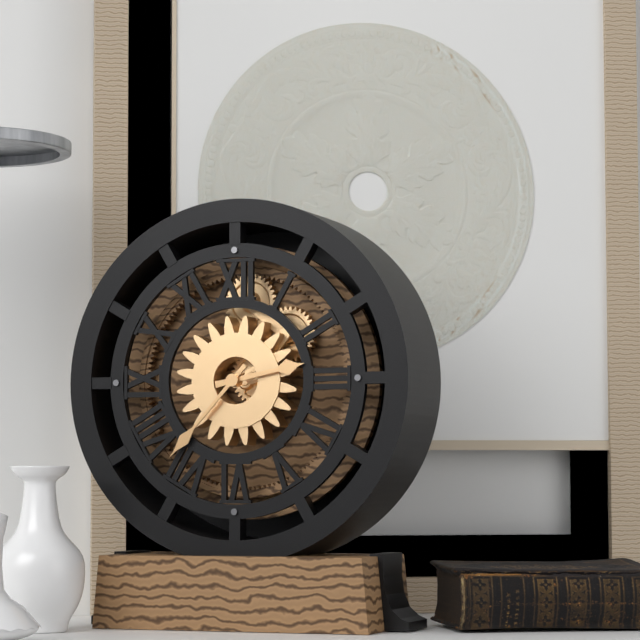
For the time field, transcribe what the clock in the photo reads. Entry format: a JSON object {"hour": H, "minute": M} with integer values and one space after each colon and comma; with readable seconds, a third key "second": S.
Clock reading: {"hour": 2, "minute": 37}
